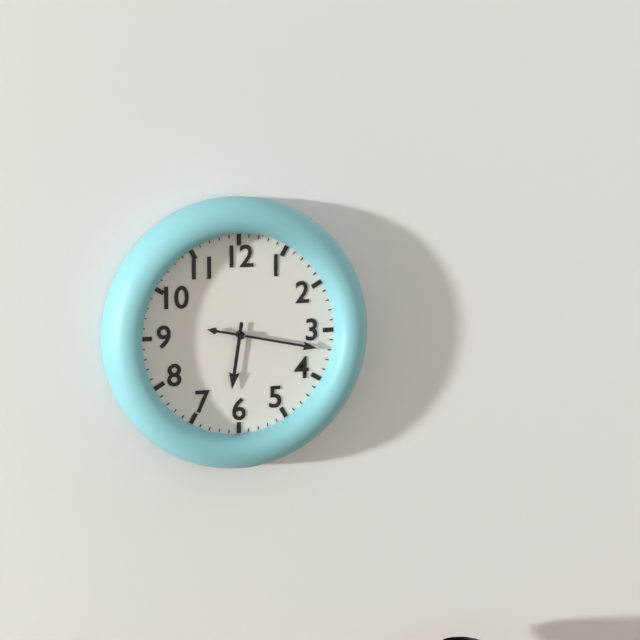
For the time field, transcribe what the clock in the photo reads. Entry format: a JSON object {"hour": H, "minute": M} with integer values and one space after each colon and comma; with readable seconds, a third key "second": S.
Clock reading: {"hour": 6, "minute": 17}
